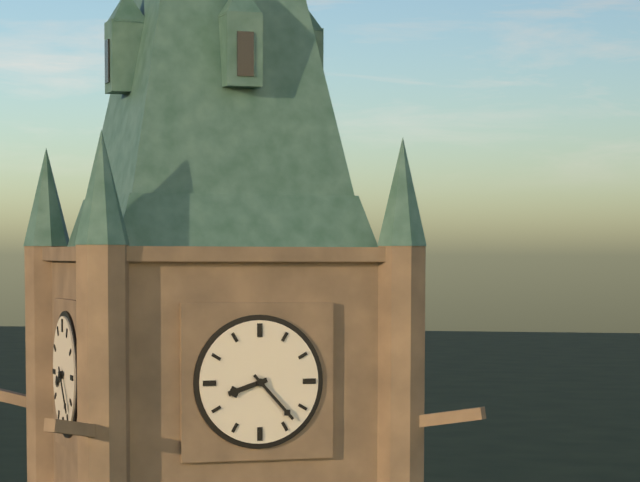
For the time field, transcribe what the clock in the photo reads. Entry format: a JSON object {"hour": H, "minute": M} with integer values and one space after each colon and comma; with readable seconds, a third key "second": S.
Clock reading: {"hour": 8, "minute": 23}
